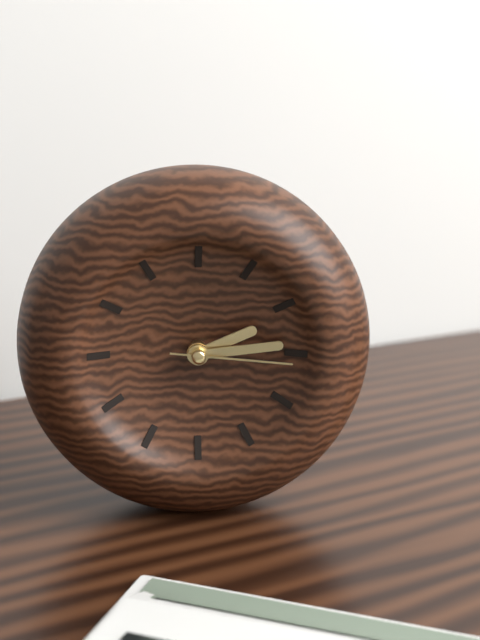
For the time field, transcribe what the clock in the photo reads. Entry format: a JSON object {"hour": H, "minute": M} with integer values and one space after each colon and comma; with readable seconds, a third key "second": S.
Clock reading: {"hour": 2, "minute": 14, "second": 16}
